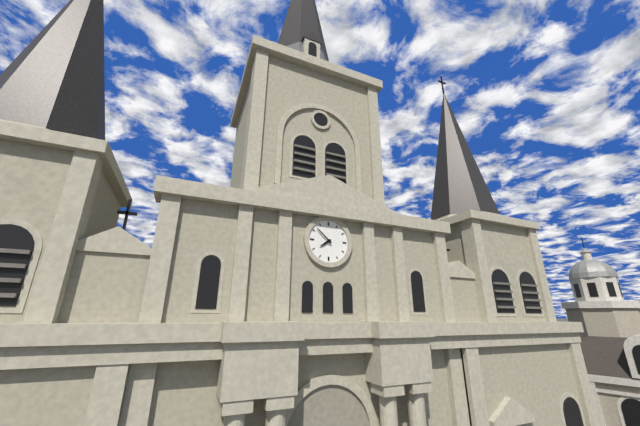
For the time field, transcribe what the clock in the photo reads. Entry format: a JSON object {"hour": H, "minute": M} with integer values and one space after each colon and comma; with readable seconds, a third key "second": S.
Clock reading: {"hour": 7, "minute": 52}
